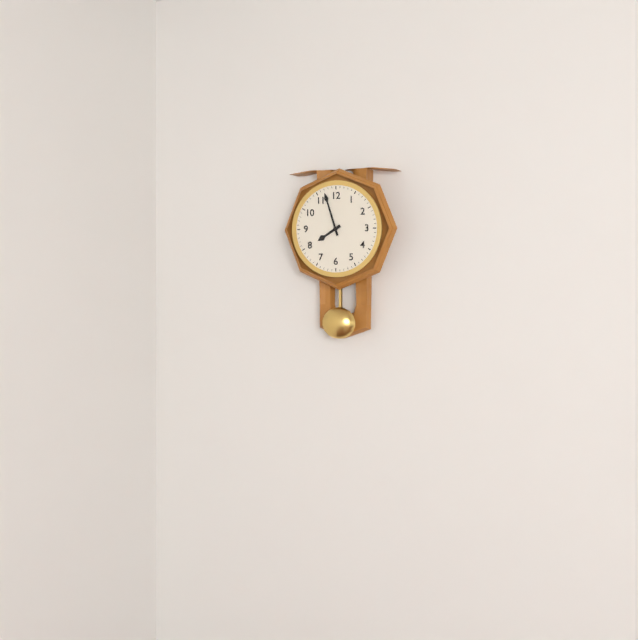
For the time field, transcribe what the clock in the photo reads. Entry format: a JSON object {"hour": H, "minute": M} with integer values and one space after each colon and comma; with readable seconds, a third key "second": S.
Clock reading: {"hour": 7, "minute": 57}
